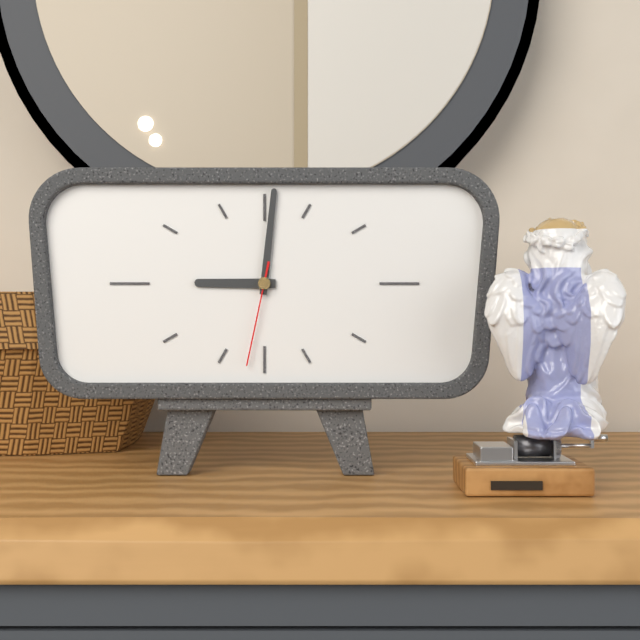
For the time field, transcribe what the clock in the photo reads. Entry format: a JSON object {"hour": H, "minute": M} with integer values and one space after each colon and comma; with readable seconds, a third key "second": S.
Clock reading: {"hour": 9, "minute": 1, "second": 32}
